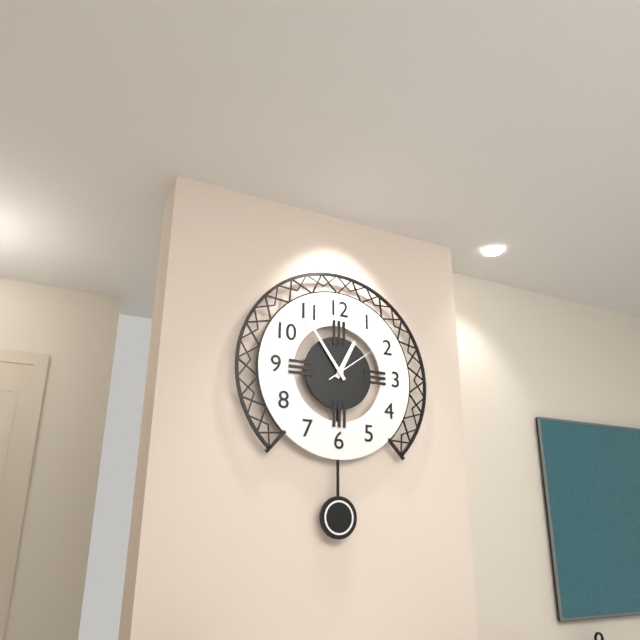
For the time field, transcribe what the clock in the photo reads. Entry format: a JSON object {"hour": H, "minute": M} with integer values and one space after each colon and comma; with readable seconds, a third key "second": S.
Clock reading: {"hour": 12, "minute": 54, "second": 9}
